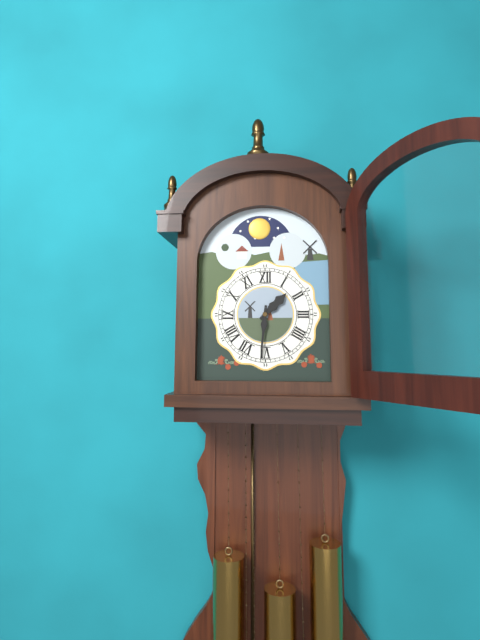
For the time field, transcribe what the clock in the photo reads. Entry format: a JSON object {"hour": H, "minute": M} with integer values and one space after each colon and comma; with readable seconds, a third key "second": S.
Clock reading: {"hour": 1, "minute": 31}
